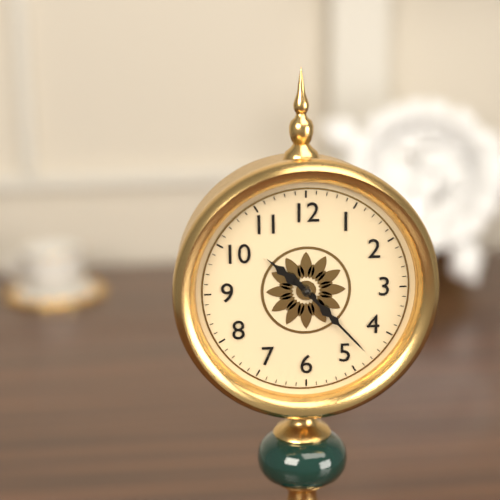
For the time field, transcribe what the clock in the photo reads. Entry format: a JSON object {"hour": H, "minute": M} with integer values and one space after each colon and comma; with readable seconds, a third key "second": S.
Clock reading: {"hour": 10, "minute": 23}
